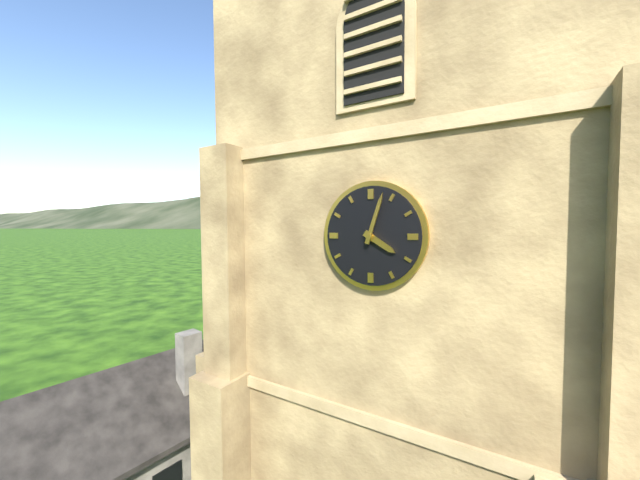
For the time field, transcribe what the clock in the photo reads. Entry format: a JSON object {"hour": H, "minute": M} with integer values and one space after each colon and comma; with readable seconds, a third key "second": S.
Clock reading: {"hour": 4, "minute": 3}
